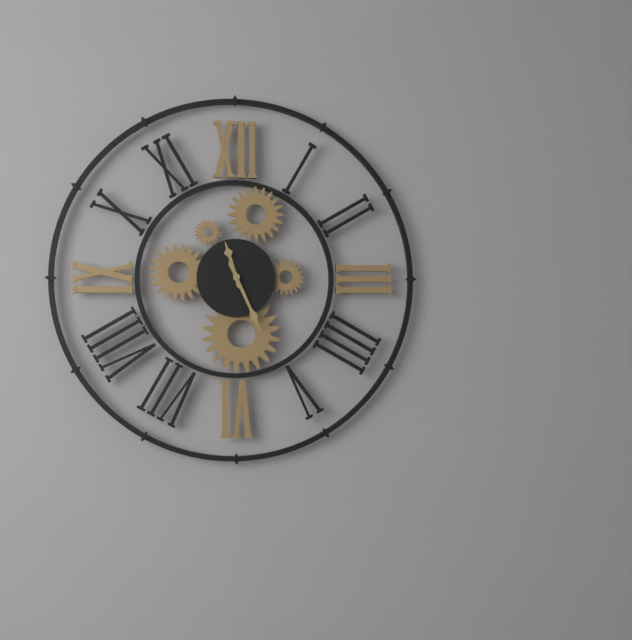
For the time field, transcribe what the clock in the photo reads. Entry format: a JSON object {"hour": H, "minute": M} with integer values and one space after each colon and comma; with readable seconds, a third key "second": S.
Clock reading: {"hour": 11, "minute": 26}
